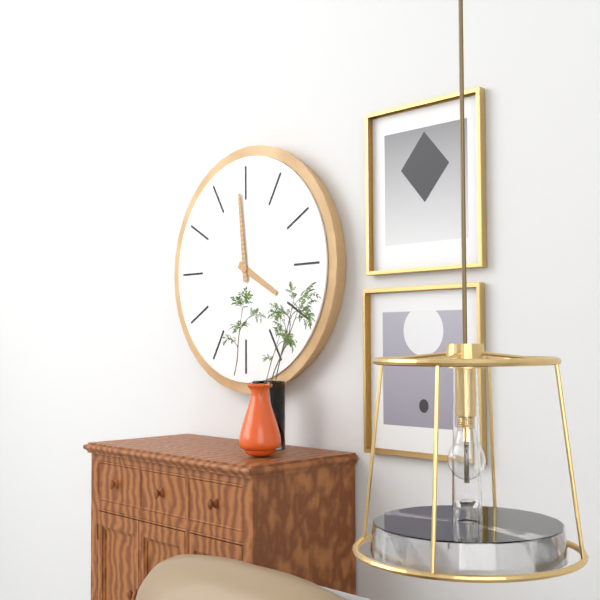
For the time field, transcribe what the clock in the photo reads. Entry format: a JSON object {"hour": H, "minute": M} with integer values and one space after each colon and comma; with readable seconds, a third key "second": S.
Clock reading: {"hour": 3, "minute": 59}
